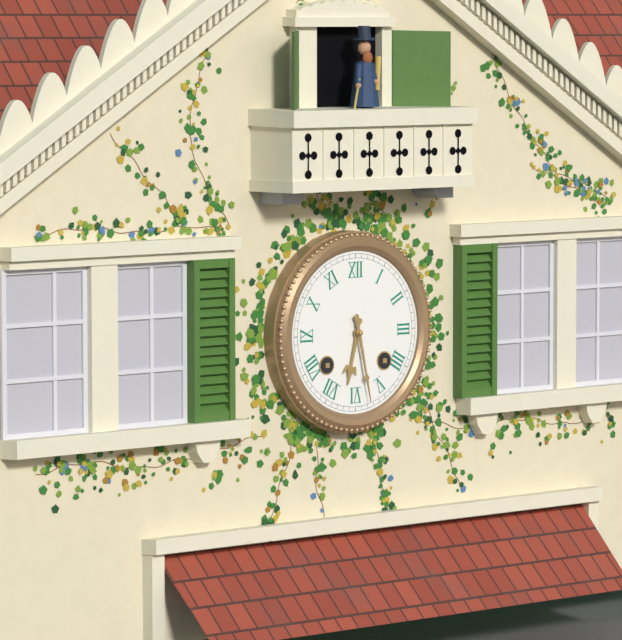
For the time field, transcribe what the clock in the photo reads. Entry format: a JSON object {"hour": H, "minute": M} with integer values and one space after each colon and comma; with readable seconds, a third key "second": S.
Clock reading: {"hour": 6, "minute": 28}
